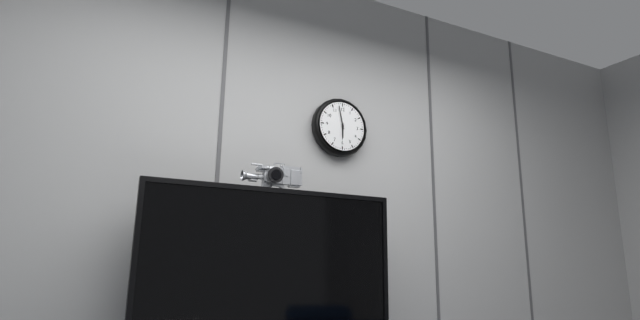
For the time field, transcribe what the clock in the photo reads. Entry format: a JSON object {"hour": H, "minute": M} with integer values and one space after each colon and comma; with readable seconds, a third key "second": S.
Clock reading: {"hour": 5, "minute": 58}
